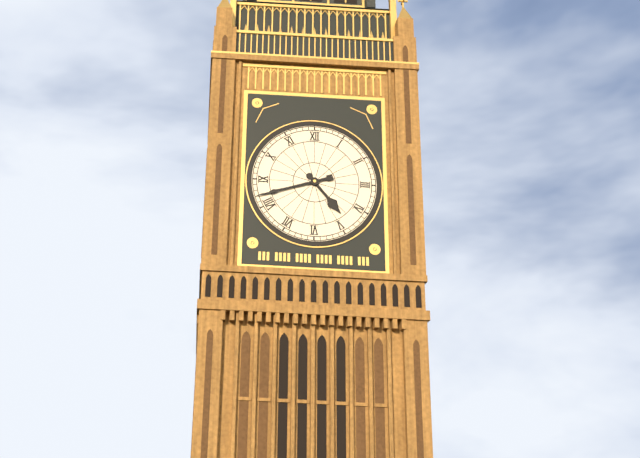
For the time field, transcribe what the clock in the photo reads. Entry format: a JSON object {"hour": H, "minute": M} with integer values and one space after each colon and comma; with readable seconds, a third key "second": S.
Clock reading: {"hour": 4, "minute": 42}
